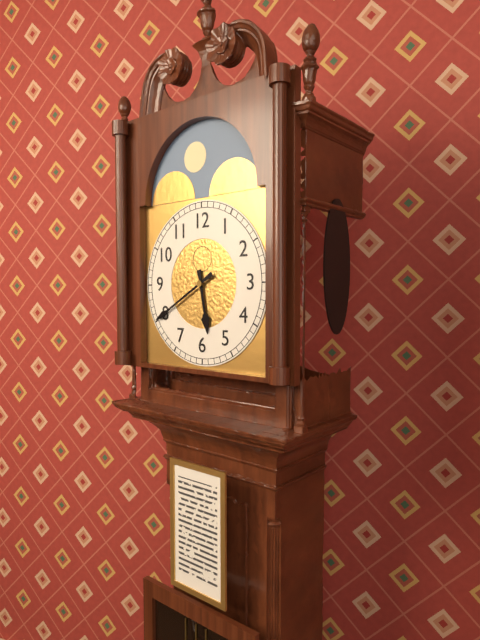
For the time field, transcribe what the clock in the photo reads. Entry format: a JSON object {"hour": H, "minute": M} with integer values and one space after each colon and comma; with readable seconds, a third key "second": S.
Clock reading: {"hour": 5, "minute": 40}
